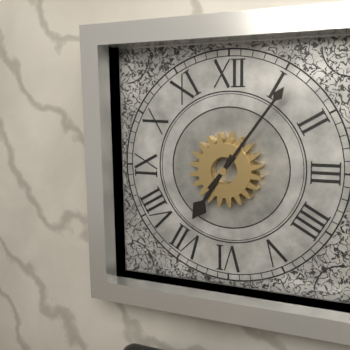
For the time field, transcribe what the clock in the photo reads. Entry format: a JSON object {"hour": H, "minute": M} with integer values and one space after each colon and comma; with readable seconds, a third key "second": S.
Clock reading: {"hour": 7, "minute": 6}
